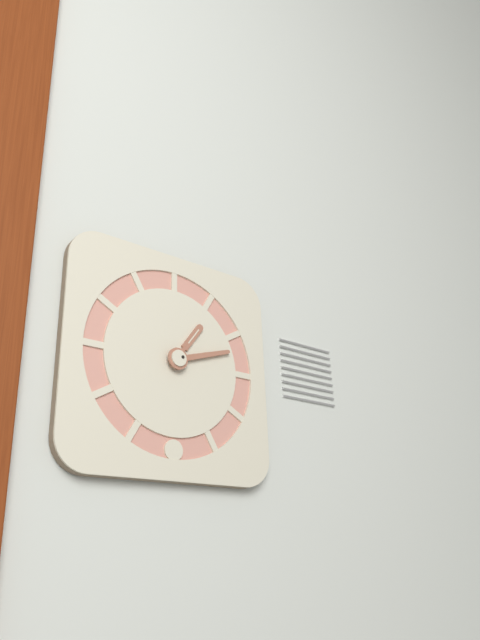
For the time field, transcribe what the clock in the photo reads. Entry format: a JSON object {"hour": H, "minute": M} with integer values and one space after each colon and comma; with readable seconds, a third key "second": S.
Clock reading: {"hour": 1, "minute": 12}
